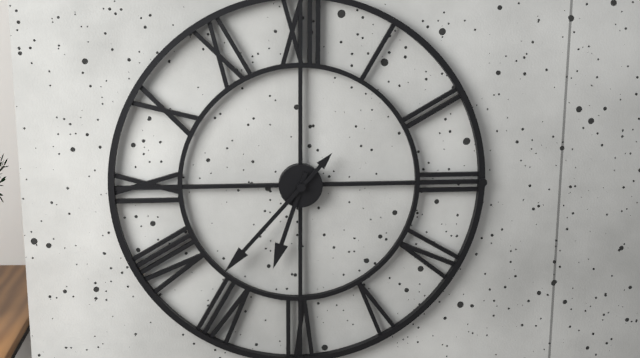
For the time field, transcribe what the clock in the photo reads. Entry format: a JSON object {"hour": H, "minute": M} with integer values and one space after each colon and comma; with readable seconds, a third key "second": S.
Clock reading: {"hour": 6, "minute": 37}
